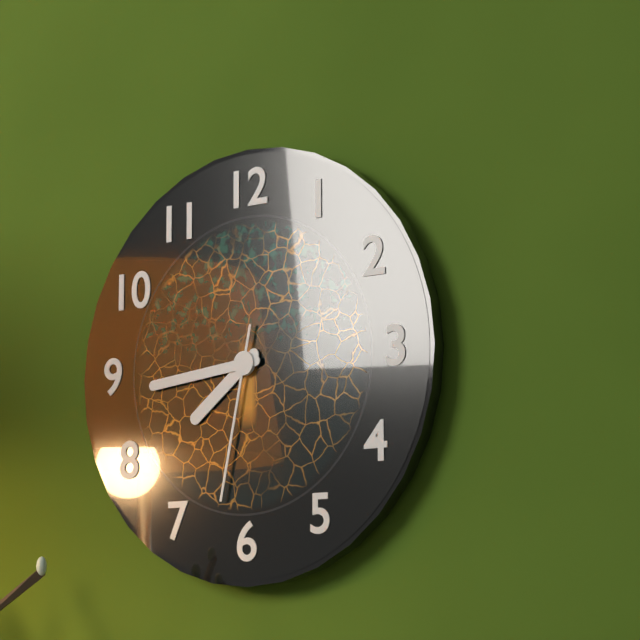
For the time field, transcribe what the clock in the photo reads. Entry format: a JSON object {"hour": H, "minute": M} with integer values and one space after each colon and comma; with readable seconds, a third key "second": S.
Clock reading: {"hour": 7, "minute": 44, "second": 32}
